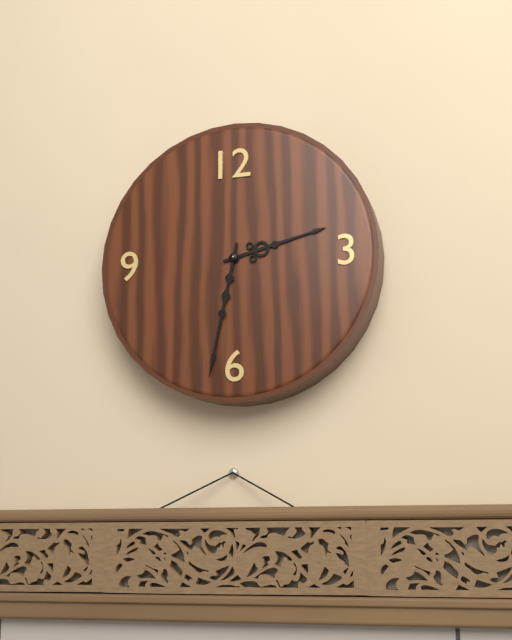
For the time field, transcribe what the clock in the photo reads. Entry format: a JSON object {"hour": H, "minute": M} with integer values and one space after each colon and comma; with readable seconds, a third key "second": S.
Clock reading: {"hour": 2, "minute": 32}
